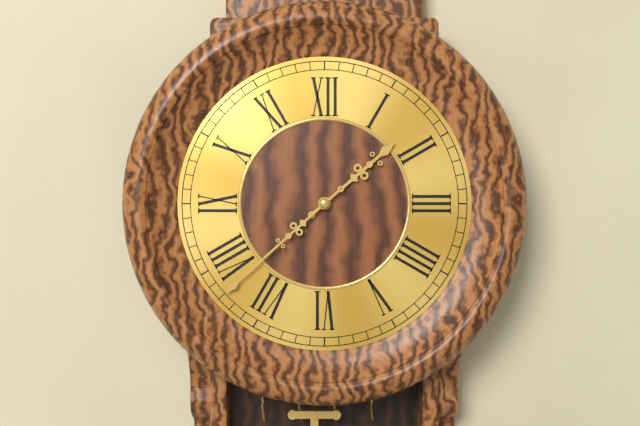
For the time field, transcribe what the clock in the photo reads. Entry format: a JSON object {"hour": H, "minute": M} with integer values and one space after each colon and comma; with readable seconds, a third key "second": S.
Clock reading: {"hour": 1, "minute": 38}
